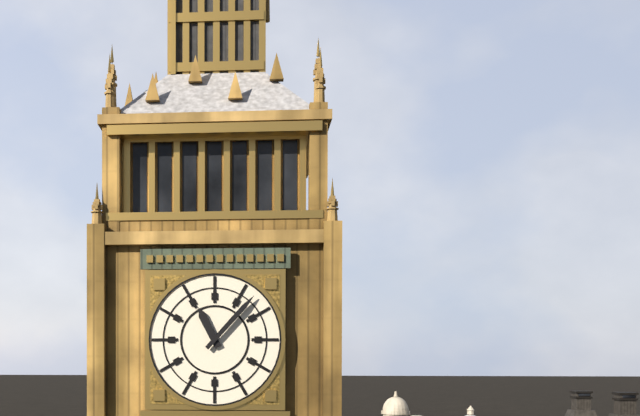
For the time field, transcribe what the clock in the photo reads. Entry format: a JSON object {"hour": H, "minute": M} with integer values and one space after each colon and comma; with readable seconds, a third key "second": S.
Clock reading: {"hour": 11, "minute": 7}
